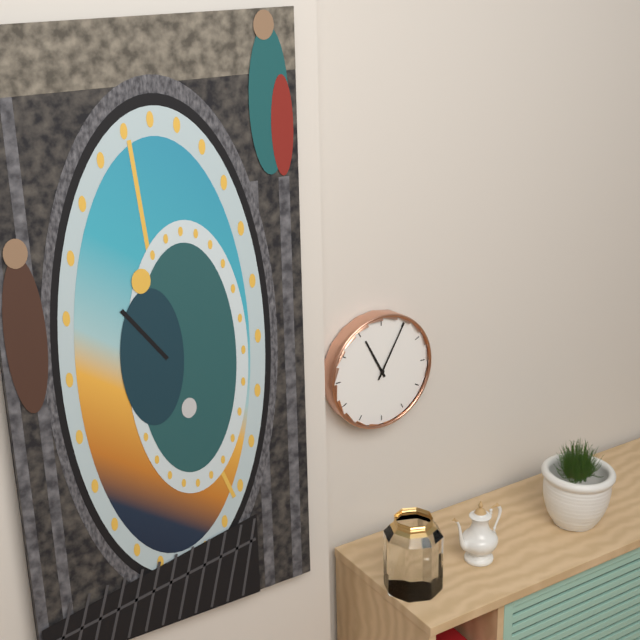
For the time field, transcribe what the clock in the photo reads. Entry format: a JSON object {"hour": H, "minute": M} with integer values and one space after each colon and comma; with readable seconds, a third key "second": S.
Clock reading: {"hour": 11, "minute": 5}
